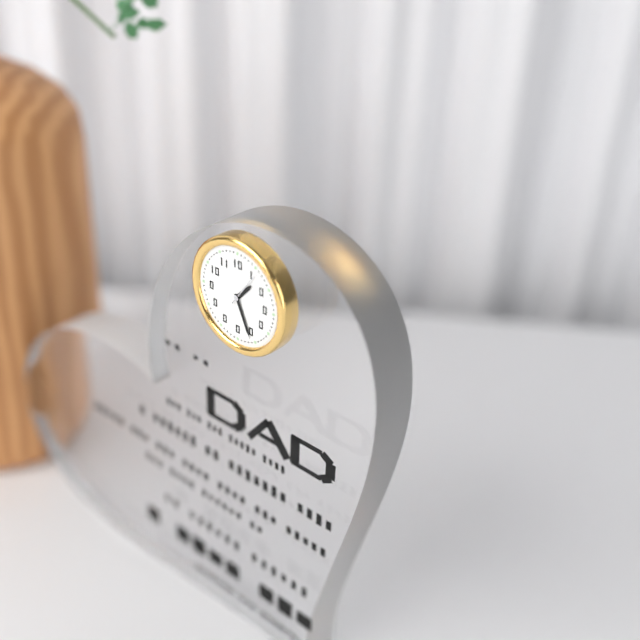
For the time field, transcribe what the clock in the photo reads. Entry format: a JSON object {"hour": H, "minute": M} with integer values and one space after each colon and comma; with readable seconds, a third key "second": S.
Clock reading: {"hour": 1, "minute": 26}
